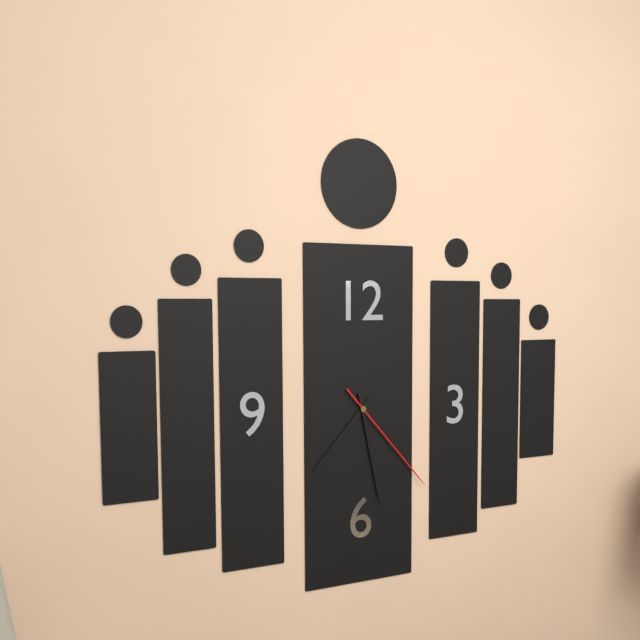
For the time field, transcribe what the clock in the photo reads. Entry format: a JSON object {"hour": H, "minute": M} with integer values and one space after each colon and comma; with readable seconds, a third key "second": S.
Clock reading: {"hour": 7, "minute": 28, "second": 23}
